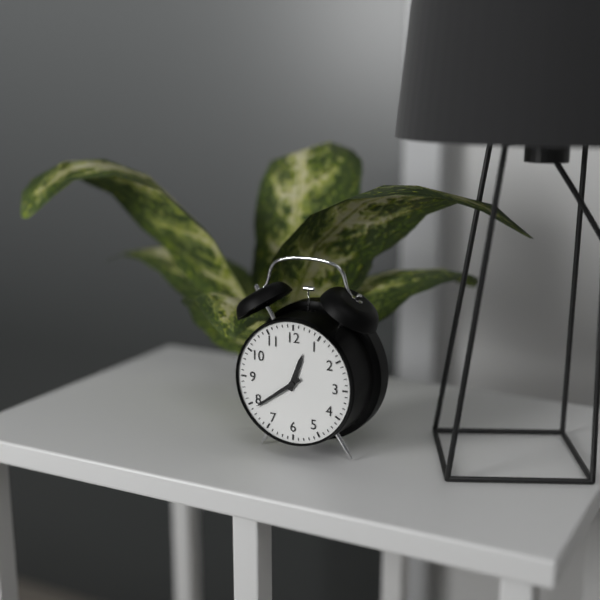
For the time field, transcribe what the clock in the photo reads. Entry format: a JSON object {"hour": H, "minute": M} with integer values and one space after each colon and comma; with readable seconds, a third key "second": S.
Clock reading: {"hour": 12, "minute": 39}
